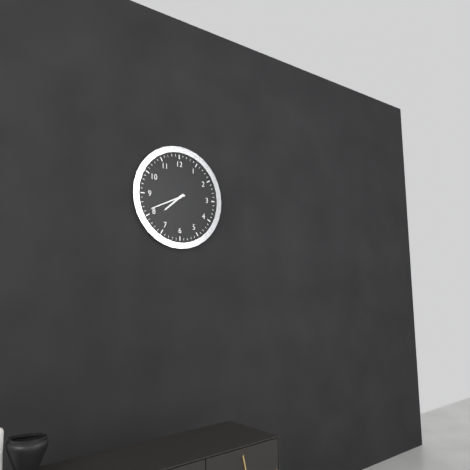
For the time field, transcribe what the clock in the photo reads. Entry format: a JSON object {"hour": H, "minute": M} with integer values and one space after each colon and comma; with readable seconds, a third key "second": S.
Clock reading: {"hour": 7, "minute": 41}
